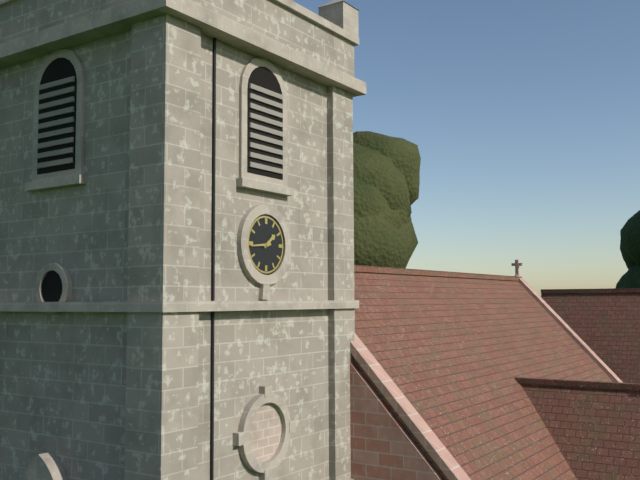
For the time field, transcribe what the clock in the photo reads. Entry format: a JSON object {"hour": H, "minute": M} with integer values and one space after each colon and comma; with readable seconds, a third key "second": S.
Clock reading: {"hour": 1, "minute": 44}
